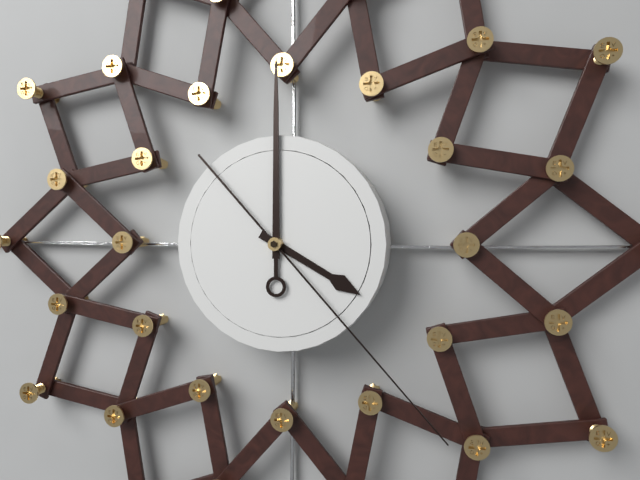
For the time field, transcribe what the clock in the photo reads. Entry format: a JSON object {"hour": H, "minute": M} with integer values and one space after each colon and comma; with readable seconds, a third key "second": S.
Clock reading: {"hour": 4, "minute": 0, "second": 23}
